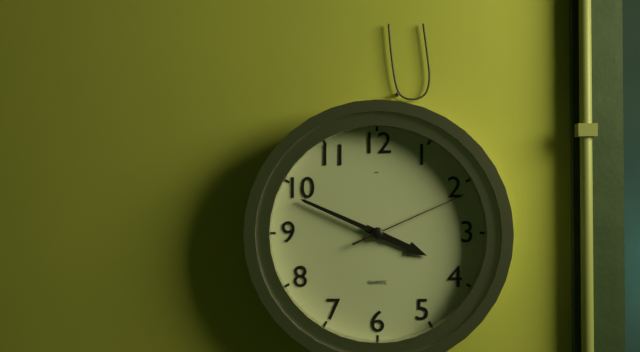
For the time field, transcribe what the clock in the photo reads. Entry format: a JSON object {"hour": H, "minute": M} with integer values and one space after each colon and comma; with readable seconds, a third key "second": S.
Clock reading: {"hour": 3, "minute": 49, "second": 11}
